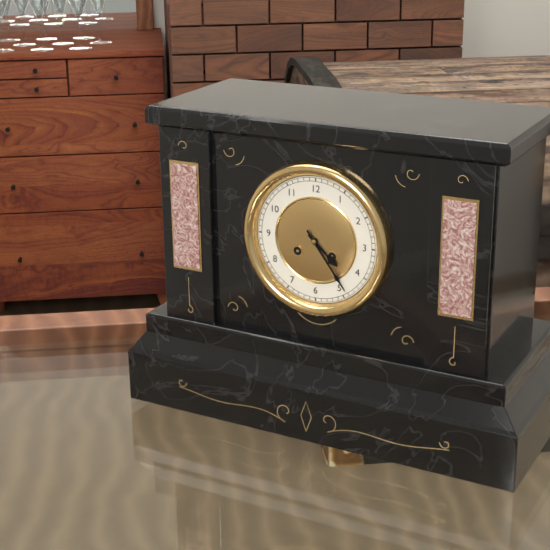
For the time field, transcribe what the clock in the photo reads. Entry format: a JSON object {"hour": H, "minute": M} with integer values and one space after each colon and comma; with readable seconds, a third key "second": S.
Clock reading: {"hour": 4, "minute": 24}
